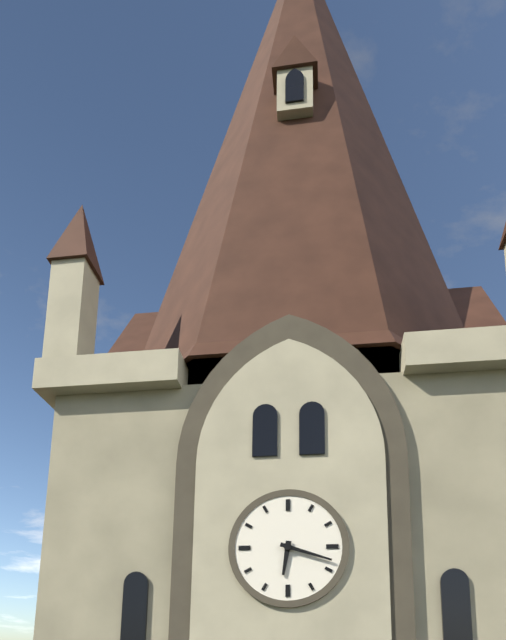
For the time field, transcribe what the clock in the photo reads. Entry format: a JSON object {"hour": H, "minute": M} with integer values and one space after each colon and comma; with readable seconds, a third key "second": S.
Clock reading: {"hour": 6, "minute": 18}
